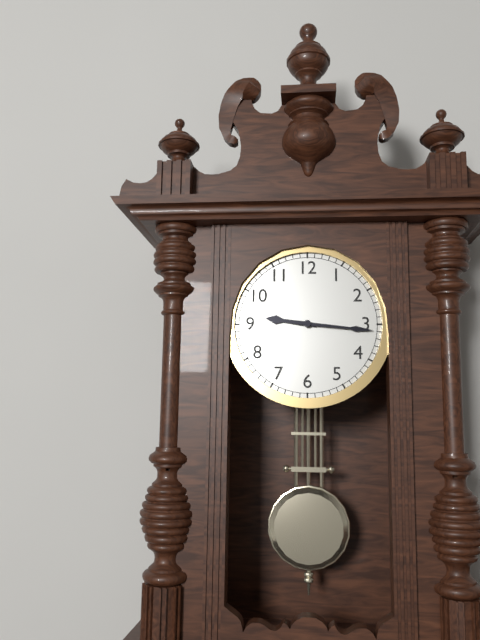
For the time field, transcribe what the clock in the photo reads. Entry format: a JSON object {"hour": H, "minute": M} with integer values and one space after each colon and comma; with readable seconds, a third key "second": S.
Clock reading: {"hour": 9, "minute": 16}
